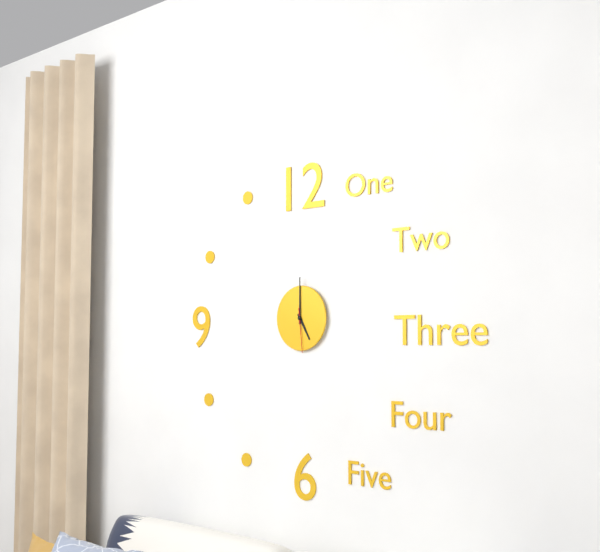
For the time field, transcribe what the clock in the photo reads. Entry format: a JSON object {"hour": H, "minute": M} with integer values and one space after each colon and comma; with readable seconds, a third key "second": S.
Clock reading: {"hour": 5, "minute": 0}
